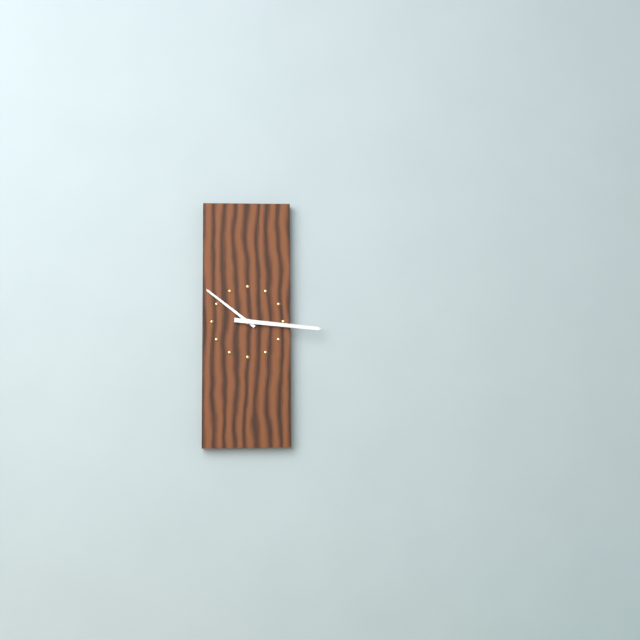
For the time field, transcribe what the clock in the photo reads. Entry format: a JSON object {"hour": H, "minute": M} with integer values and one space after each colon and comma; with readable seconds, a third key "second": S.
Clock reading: {"hour": 10, "minute": 16}
